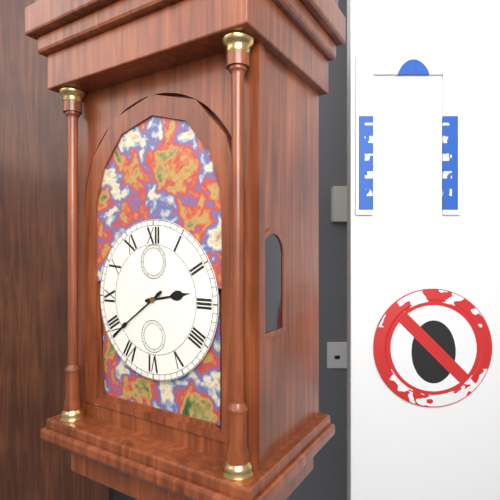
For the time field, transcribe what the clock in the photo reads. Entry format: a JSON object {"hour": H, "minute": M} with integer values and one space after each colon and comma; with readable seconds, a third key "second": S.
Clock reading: {"hour": 2, "minute": 39}
